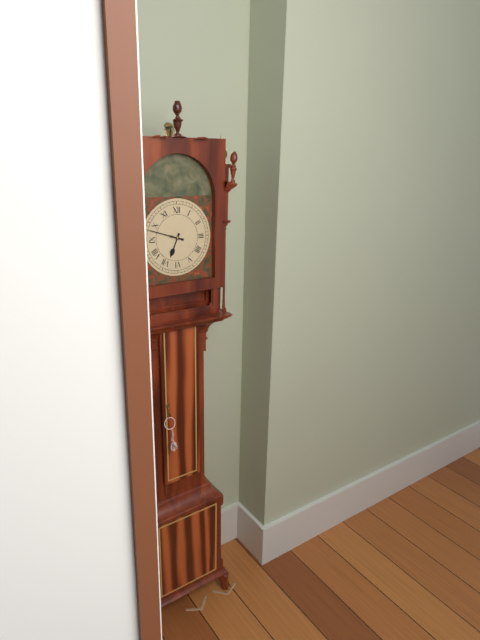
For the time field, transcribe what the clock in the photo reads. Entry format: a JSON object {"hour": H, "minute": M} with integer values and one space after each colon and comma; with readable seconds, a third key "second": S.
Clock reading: {"hour": 6, "minute": 48}
